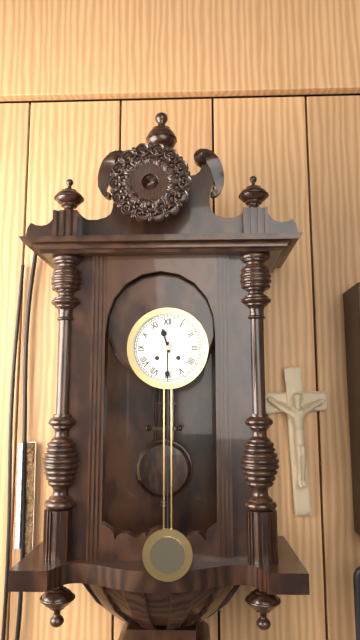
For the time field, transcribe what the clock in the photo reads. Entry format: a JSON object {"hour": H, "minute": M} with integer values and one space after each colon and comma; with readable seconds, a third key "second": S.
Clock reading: {"hour": 11, "minute": 30}
